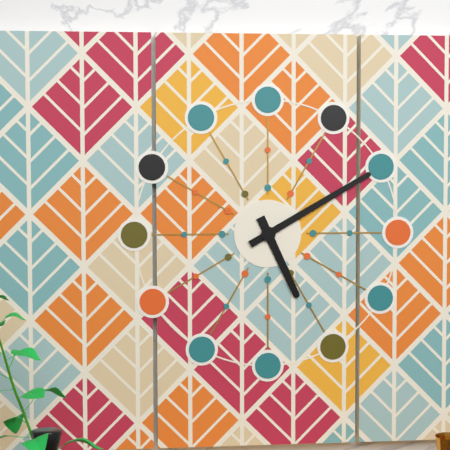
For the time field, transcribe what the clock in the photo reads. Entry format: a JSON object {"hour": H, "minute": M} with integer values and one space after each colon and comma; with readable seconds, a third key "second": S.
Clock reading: {"hour": 5, "minute": 10}
